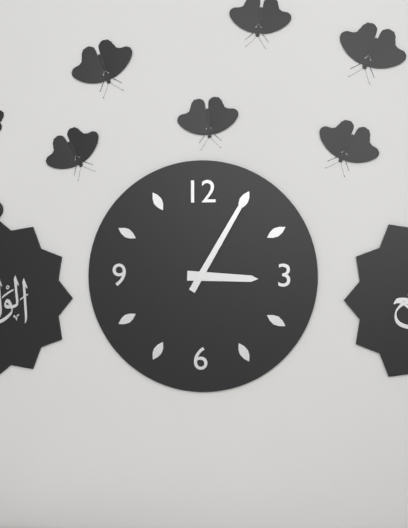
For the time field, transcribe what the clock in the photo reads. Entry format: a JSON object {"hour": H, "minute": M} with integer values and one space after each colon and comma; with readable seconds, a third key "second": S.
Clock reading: {"hour": 3, "minute": 5}
